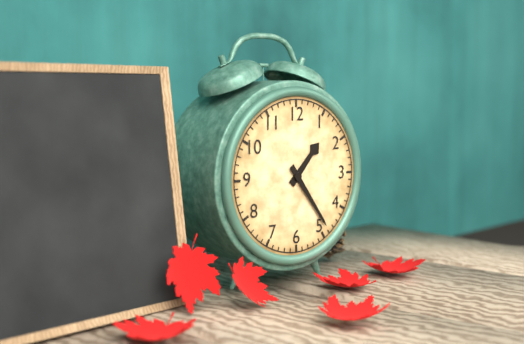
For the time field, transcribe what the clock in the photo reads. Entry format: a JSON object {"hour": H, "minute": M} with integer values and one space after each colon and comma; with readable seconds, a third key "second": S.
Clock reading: {"hour": 1, "minute": 24}
